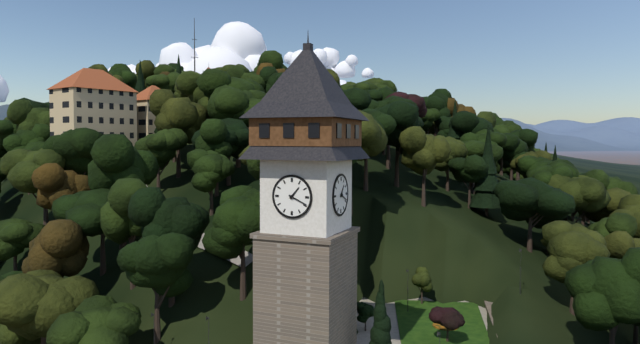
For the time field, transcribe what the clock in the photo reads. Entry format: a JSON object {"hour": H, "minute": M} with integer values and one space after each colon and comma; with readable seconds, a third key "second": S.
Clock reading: {"hour": 1, "minute": 19}
